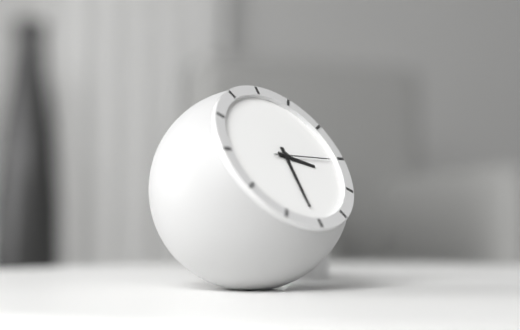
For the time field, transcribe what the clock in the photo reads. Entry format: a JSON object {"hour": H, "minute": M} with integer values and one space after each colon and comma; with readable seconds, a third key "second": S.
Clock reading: {"hour": 3, "minute": 30, "second": 15}
